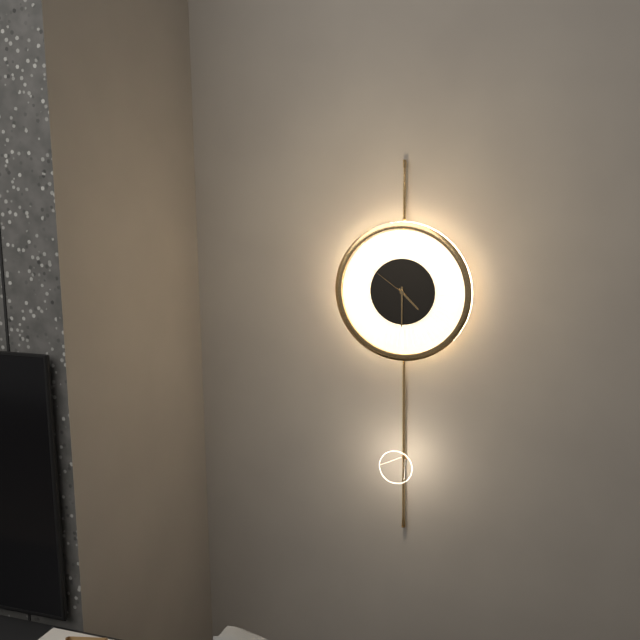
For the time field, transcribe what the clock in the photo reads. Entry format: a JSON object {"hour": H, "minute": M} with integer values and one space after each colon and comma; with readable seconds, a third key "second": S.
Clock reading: {"hour": 4, "minute": 30}
